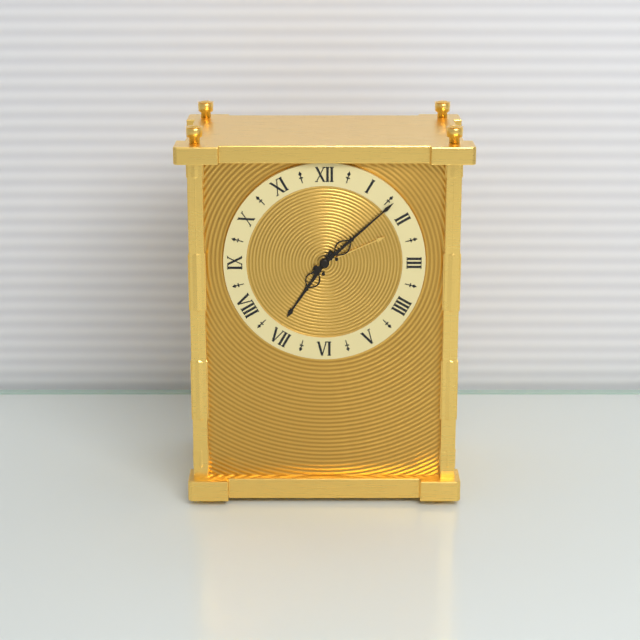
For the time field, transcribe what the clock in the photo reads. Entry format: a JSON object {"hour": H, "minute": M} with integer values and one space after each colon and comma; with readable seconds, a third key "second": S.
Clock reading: {"hour": 7, "minute": 8}
